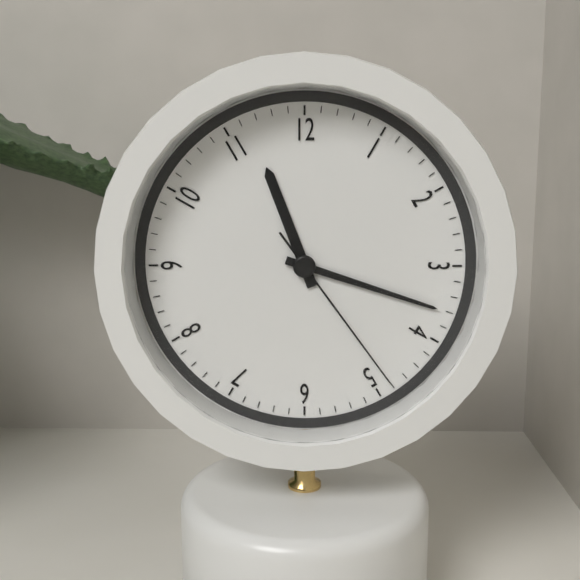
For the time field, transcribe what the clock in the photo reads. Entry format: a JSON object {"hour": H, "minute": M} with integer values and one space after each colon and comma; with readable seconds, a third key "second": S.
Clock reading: {"hour": 11, "minute": 18, "second": 24}
